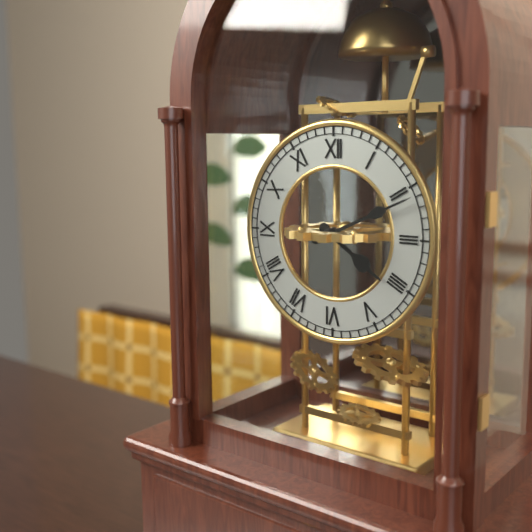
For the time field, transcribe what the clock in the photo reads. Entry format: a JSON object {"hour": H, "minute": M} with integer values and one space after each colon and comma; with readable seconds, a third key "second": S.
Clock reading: {"hour": 4, "minute": 11}
